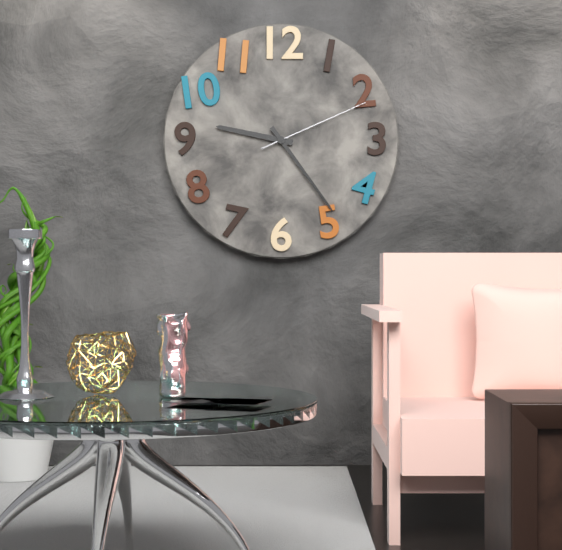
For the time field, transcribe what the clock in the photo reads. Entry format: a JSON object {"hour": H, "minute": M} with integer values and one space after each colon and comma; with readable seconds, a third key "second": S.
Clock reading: {"hour": 9, "minute": 24, "second": 11}
